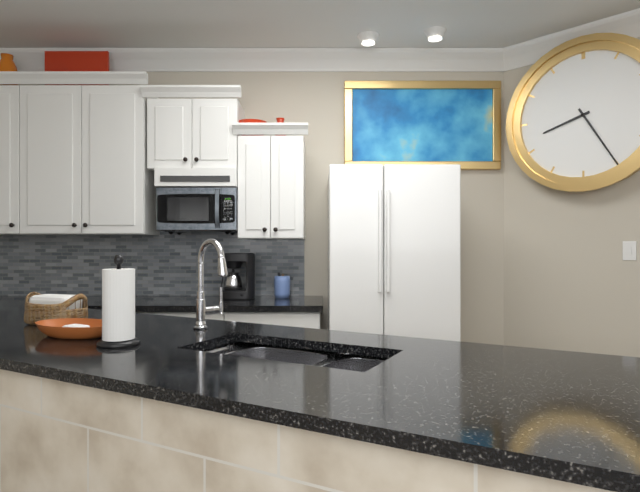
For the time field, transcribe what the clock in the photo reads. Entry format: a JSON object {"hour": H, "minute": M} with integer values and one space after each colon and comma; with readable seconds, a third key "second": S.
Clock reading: {"hour": 8, "minute": 25}
